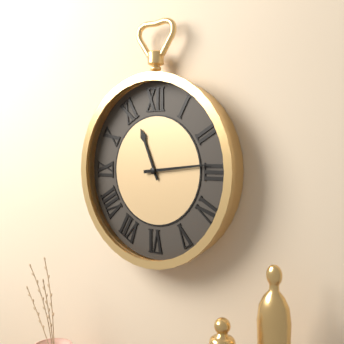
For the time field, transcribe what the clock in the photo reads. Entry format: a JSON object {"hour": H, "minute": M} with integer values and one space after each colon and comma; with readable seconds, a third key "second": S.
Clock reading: {"hour": 11, "minute": 14}
